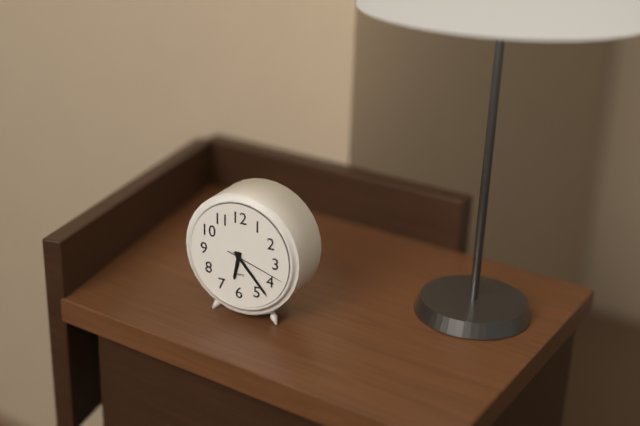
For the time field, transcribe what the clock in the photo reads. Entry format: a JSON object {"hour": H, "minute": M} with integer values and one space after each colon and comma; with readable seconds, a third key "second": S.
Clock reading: {"hour": 6, "minute": 23, "second": 18}
